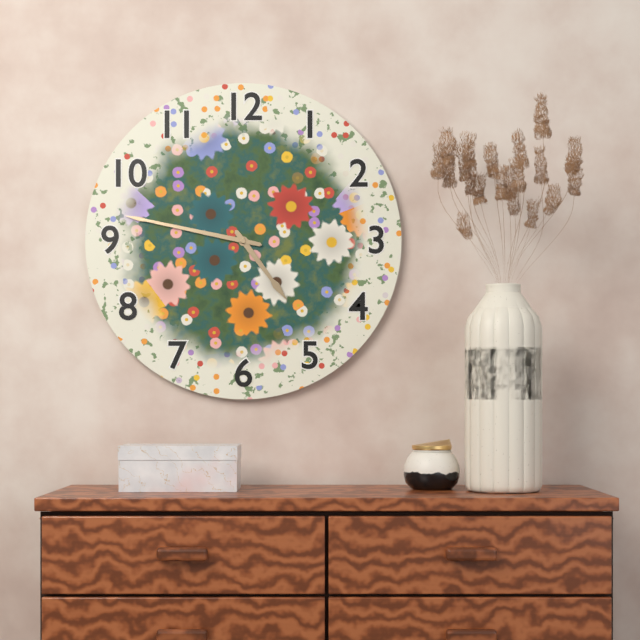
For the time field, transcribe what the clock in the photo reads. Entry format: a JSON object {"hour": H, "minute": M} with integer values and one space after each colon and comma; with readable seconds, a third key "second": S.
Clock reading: {"hour": 4, "minute": 47}
